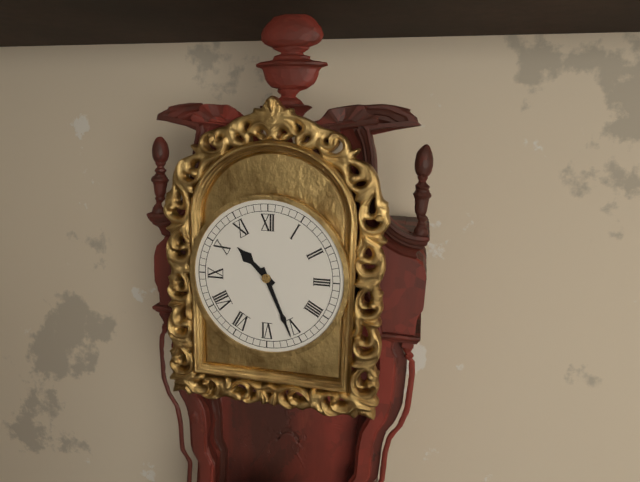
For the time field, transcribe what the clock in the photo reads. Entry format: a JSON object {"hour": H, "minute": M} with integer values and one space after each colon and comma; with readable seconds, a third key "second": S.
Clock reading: {"hour": 10, "minute": 26}
